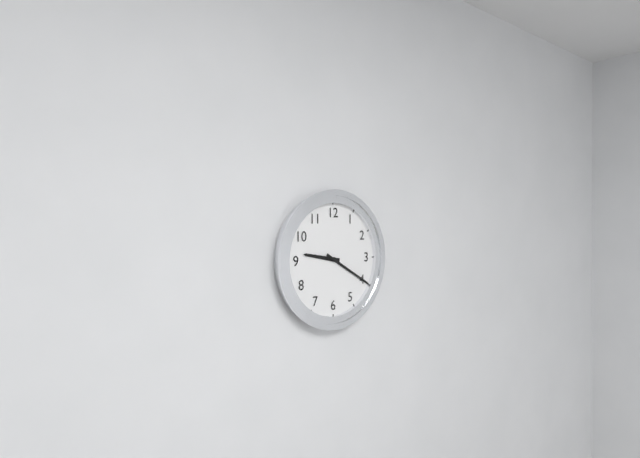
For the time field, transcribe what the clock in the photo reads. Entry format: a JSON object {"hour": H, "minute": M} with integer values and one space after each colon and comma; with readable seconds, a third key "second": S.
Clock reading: {"hour": 9, "minute": 20}
